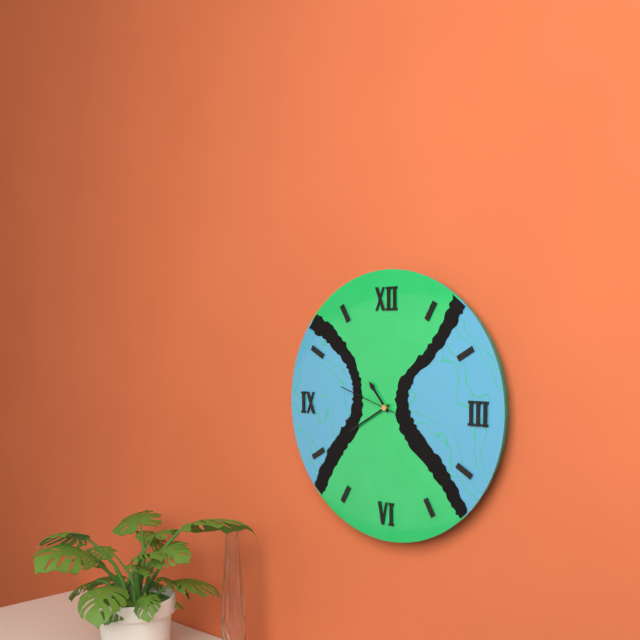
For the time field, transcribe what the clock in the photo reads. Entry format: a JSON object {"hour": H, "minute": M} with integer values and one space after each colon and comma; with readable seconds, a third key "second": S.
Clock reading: {"hour": 10, "minute": 40, "second": 48}
